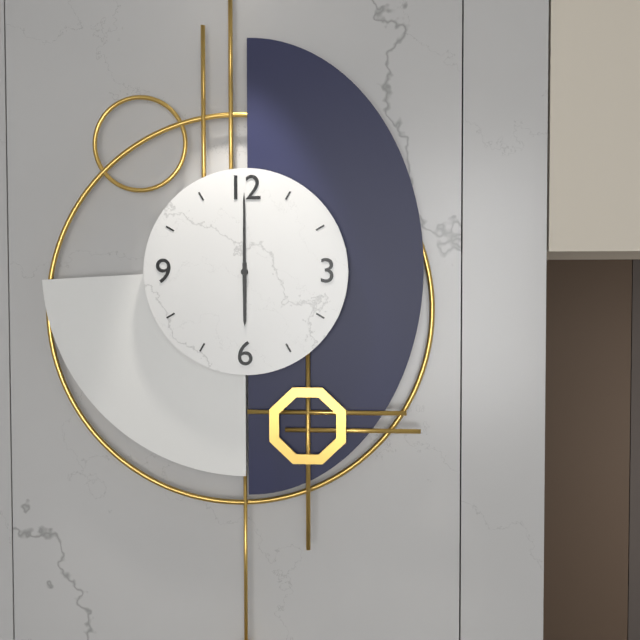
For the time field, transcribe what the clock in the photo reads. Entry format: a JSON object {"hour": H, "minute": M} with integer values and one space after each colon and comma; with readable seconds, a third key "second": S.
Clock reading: {"hour": 6, "minute": 0}
